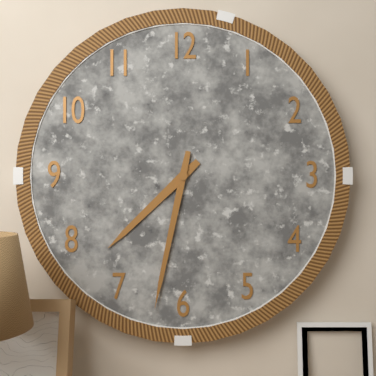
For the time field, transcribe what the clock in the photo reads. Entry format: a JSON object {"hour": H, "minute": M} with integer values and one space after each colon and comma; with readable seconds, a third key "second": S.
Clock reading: {"hour": 7, "minute": 32}
